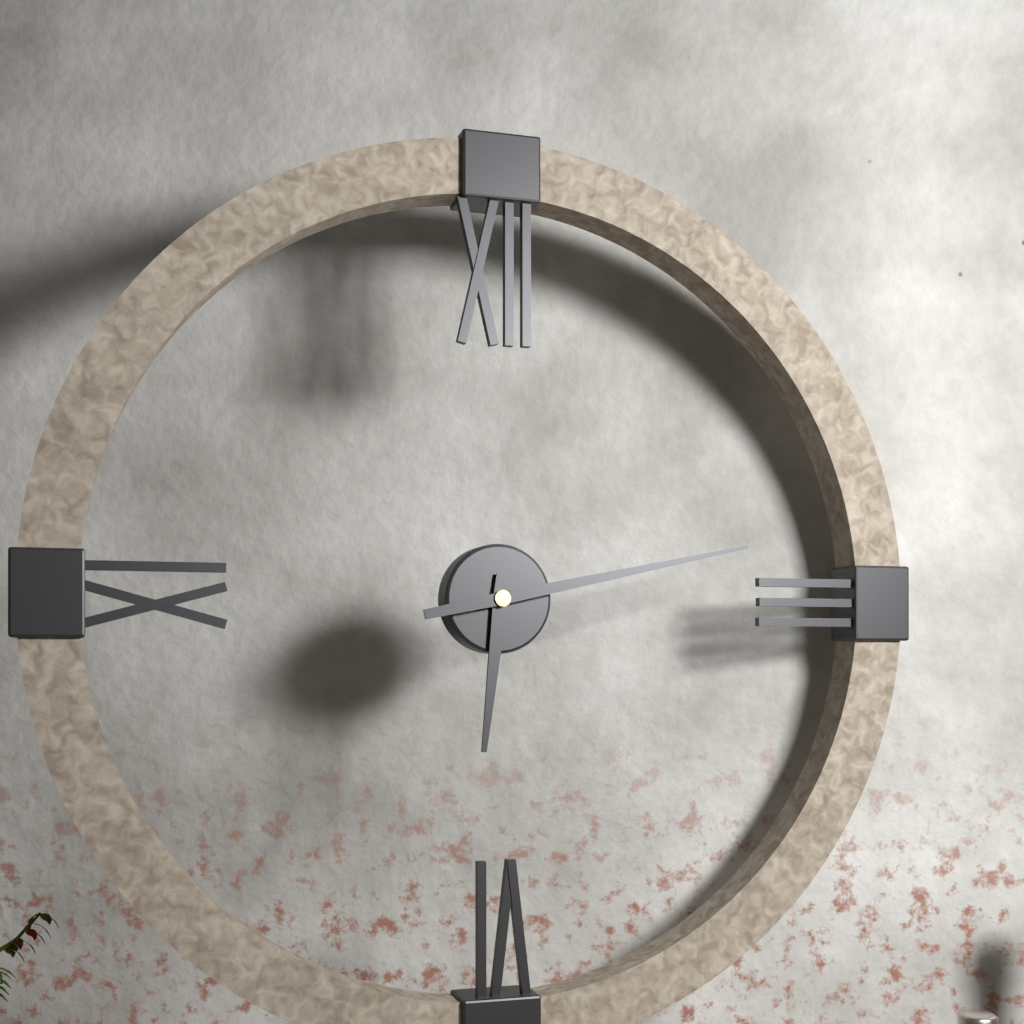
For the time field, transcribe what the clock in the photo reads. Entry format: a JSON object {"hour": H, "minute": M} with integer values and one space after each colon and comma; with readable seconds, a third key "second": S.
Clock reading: {"hour": 6, "minute": 13}
